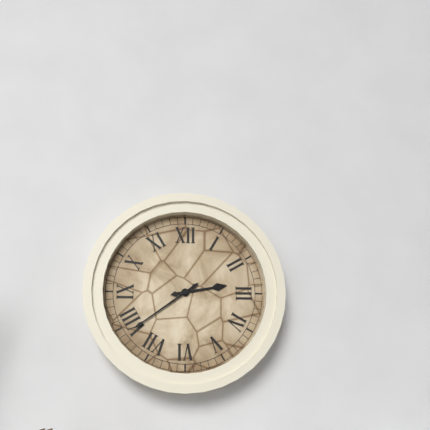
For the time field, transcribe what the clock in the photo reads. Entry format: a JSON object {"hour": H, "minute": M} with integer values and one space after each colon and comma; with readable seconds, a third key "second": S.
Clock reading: {"hour": 2, "minute": 39}
